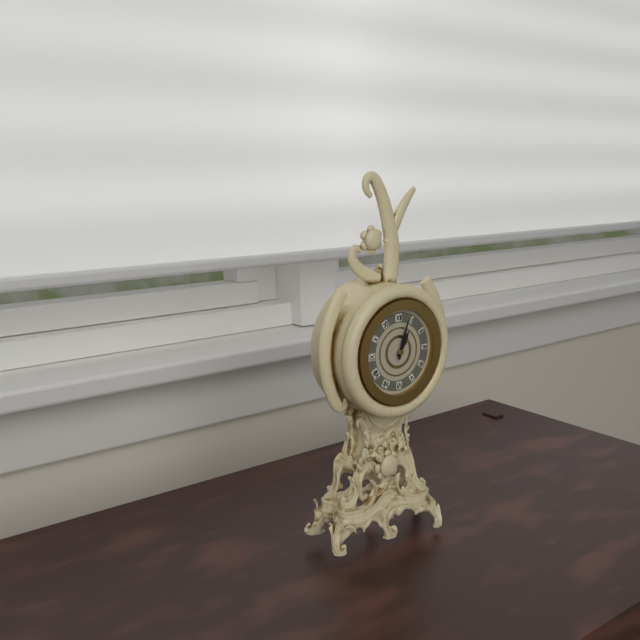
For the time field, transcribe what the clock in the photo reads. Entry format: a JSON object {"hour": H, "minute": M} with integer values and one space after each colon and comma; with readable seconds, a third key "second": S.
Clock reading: {"hour": 1, "minute": 3}
